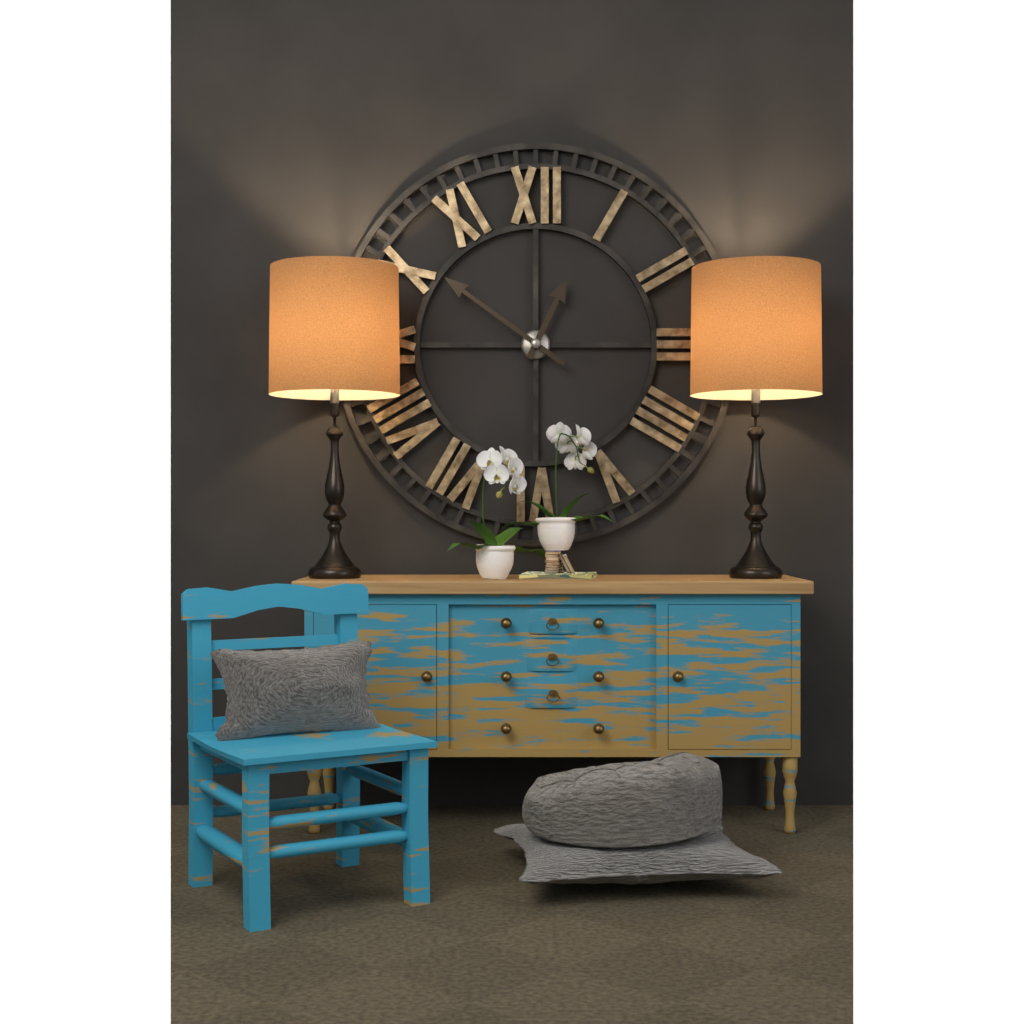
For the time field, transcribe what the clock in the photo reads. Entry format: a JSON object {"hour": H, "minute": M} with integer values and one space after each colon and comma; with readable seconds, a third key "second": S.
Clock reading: {"hour": 12, "minute": 51}
